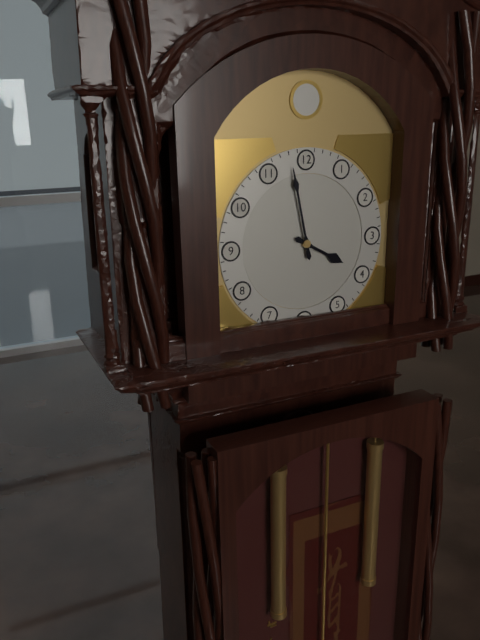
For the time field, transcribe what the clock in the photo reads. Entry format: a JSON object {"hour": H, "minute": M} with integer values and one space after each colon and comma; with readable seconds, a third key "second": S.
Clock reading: {"hour": 3, "minute": 58}
